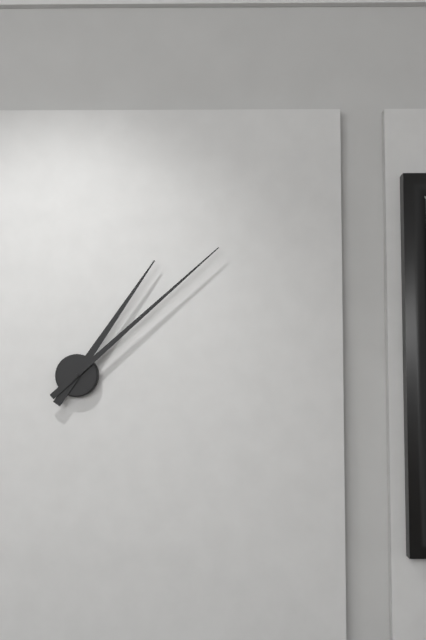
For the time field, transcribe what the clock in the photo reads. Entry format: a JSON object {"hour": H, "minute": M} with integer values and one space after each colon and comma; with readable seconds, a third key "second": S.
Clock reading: {"hour": 1, "minute": 8}
